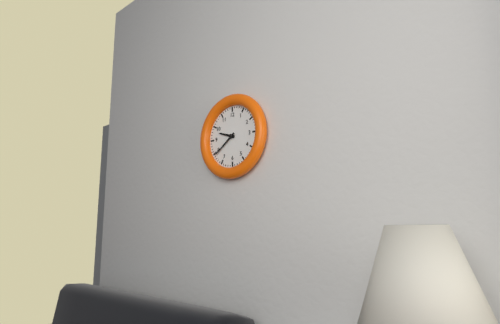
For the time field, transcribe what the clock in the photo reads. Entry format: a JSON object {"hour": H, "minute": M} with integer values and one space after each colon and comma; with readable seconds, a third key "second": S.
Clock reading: {"hour": 9, "minute": 39}
